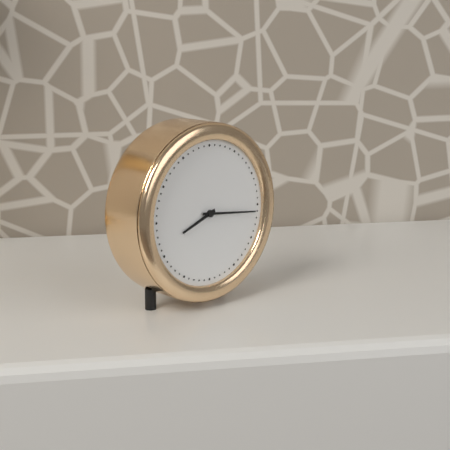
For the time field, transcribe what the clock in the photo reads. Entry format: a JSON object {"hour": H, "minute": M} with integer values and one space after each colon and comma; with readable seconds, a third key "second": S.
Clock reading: {"hour": 8, "minute": 16}
